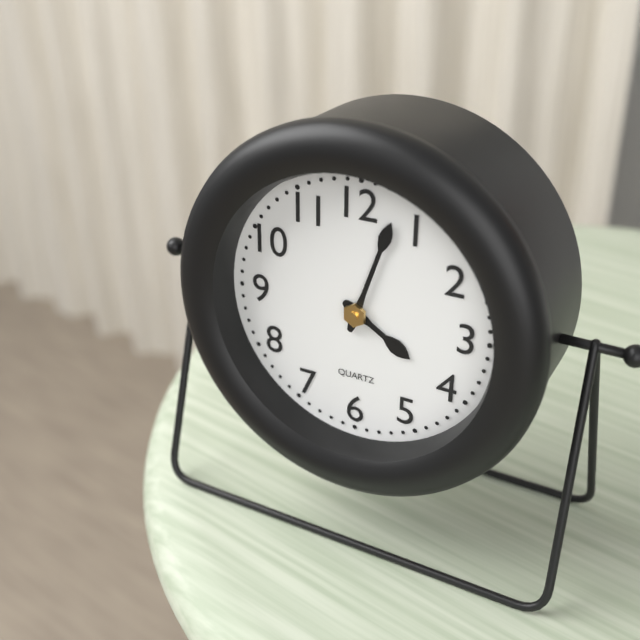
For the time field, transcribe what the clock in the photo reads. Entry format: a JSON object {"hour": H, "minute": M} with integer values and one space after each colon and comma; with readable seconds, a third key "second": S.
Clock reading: {"hour": 4, "minute": 3}
